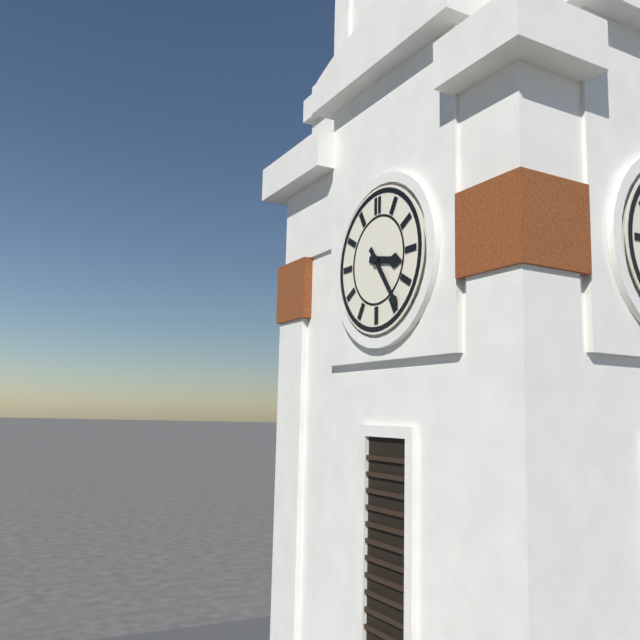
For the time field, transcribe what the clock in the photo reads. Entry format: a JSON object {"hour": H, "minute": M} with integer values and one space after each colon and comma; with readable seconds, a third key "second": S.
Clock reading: {"hour": 3, "minute": 24}
